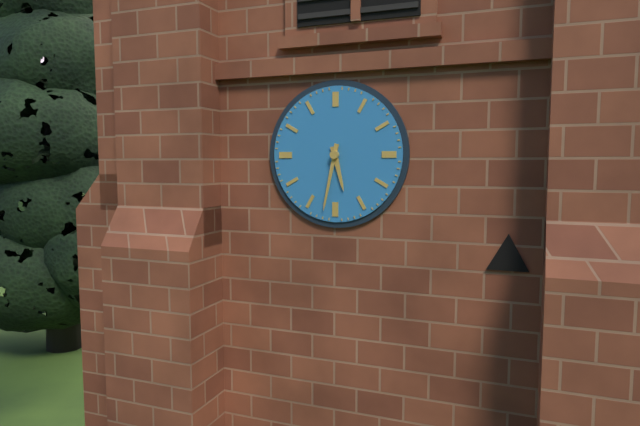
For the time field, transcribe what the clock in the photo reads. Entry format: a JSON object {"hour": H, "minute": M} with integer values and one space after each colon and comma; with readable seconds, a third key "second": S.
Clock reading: {"hour": 5, "minute": 32}
